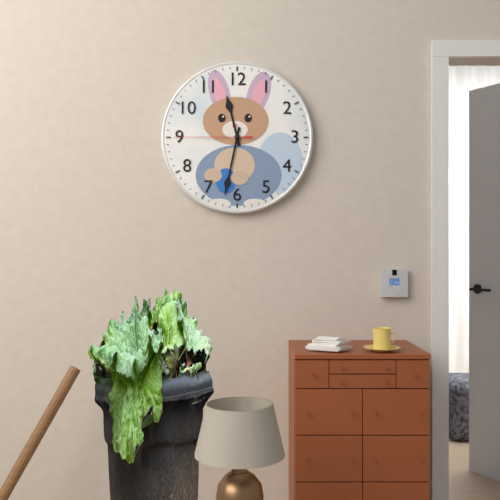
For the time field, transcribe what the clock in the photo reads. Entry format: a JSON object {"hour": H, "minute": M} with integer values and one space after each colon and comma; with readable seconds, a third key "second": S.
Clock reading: {"hour": 11, "minute": 32, "second": 45}
